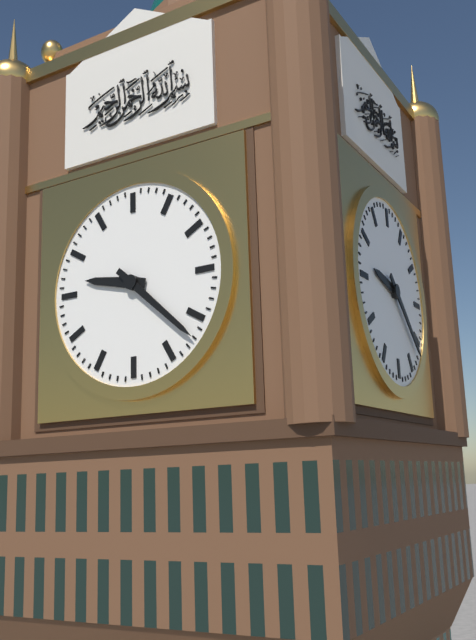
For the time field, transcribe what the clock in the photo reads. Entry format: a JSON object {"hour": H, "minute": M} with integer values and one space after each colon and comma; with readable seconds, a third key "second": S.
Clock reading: {"hour": 9, "minute": 22}
